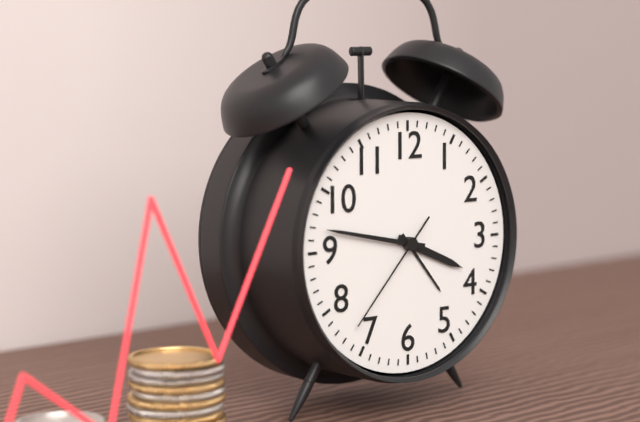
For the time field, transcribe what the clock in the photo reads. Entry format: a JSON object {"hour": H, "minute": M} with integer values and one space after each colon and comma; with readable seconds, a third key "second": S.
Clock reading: {"hour": 3, "minute": 47, "second": 37}
